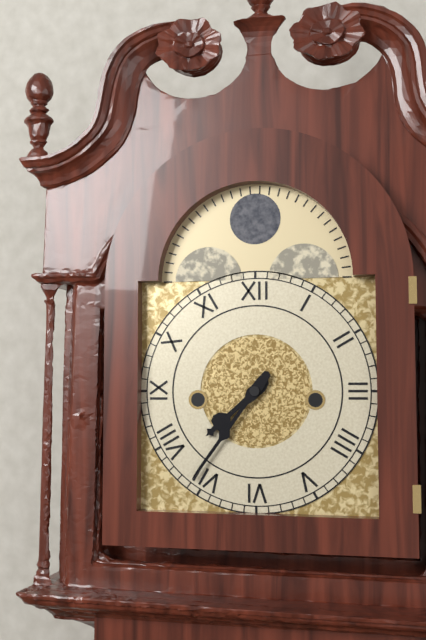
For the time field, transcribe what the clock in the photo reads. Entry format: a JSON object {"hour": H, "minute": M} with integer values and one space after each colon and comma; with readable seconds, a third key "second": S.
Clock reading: {"hour": 7, "minute": 36}
